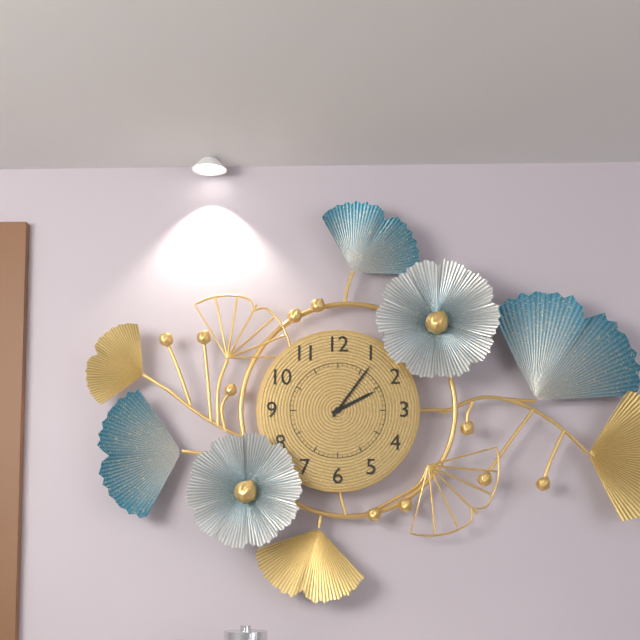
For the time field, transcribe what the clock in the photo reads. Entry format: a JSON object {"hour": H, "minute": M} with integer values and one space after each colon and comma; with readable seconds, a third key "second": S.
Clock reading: {"hour": 2, "minute": 6}
